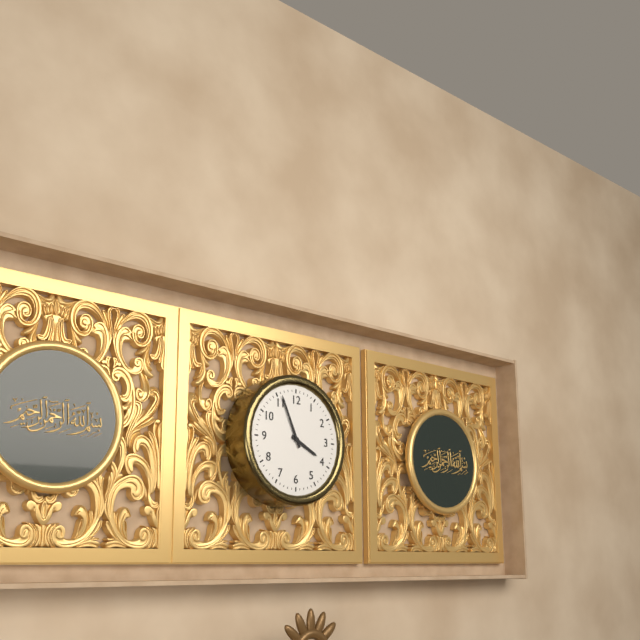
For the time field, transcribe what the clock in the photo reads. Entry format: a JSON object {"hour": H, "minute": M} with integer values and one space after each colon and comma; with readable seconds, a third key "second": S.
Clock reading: {"hour": 3, "minute": 56}
